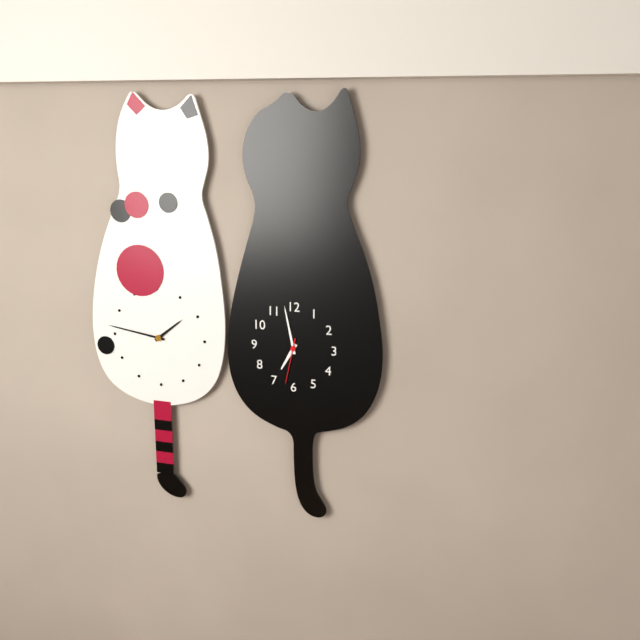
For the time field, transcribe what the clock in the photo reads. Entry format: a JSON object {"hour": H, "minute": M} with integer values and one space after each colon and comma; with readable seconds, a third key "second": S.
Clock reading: {"hour": 6, "minute": 58, "second": 32}
